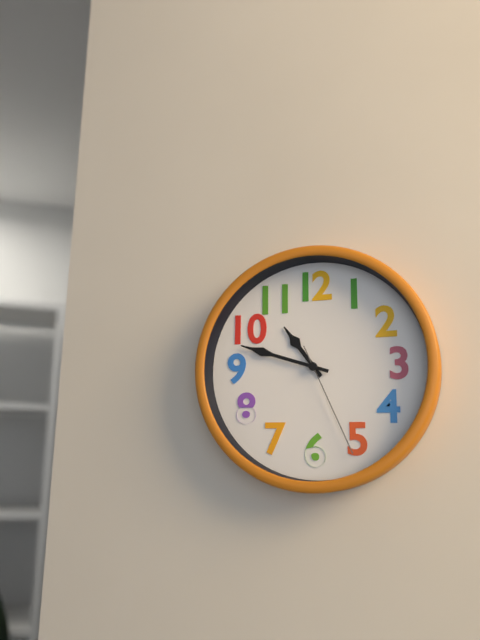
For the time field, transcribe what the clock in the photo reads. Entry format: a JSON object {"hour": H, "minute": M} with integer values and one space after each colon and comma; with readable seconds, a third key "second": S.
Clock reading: {"hour": 10, "minute": 48, "second": 26}
